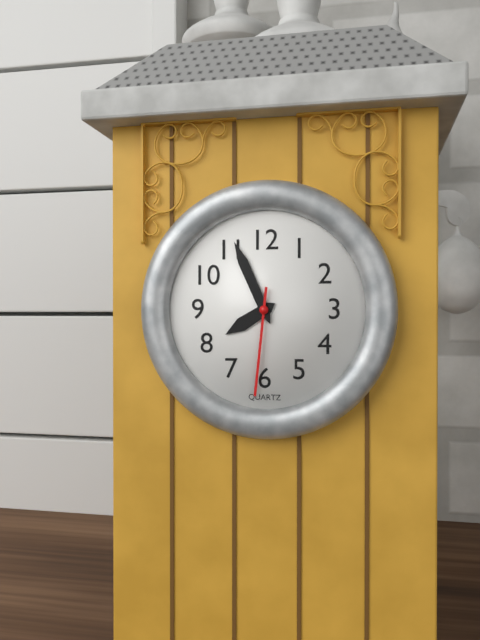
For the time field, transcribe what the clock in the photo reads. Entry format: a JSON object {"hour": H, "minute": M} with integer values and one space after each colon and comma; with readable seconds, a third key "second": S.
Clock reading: {"hour": 7, "minute": 56, "second": 31}
